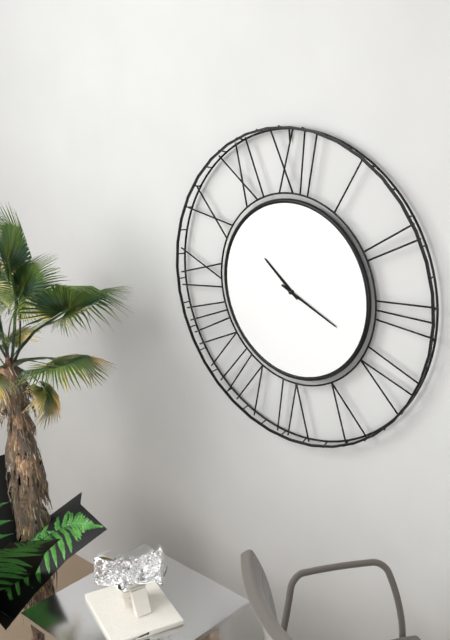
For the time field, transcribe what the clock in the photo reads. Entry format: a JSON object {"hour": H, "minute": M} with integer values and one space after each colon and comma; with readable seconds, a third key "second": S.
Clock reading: {"hour": 10, "minute": 19}
